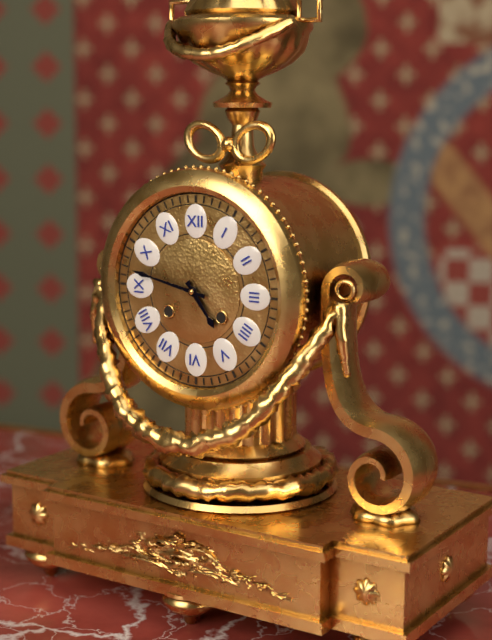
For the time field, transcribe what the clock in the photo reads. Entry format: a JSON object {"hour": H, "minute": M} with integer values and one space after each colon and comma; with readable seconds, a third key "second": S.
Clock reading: {"hour": 4, "minute": 47}
